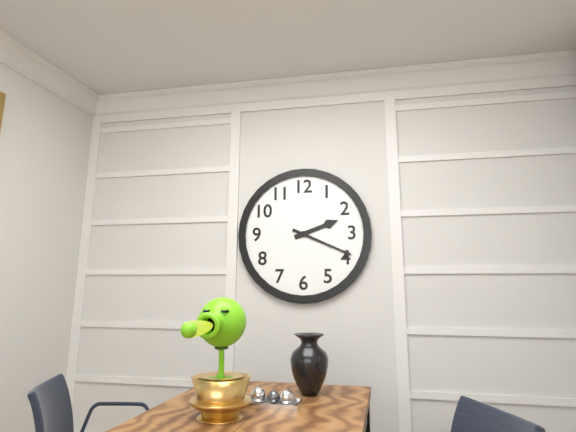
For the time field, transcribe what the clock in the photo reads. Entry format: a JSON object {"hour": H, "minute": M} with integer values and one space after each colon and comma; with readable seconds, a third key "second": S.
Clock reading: {"hour": 2, "minute": 19}
